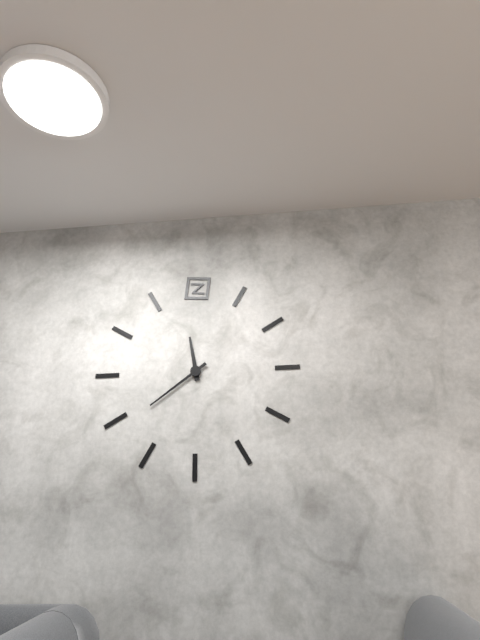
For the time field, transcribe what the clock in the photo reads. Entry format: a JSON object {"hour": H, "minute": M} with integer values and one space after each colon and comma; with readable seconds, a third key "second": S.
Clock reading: {"hour": 11, "minute": 39}
